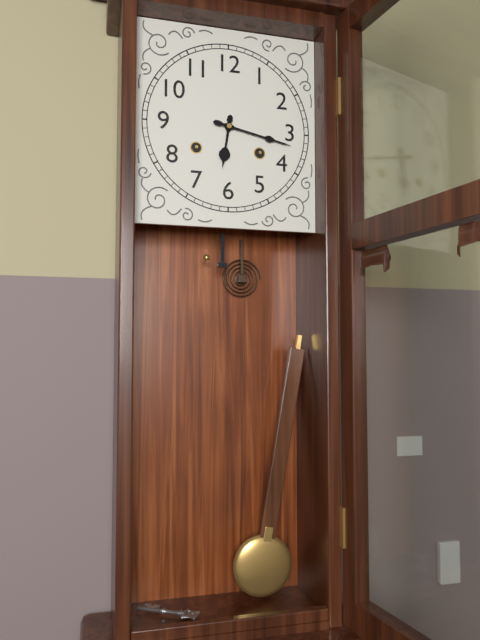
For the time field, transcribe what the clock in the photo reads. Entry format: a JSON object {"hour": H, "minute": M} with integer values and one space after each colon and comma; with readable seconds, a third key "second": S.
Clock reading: {"hour": 6, "minute": 17}
